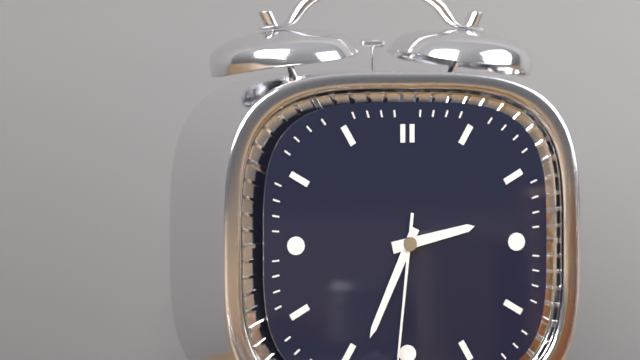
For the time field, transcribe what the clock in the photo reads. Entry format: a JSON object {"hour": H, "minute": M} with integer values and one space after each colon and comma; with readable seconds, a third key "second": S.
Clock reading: {"hour": 2, "minute": 34}
